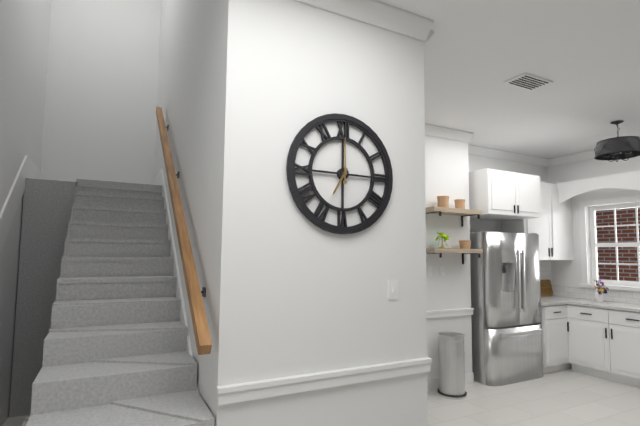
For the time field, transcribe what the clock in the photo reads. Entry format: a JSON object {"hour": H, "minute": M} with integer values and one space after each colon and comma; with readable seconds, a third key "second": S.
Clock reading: {"hour": 7, "minute": 0}
